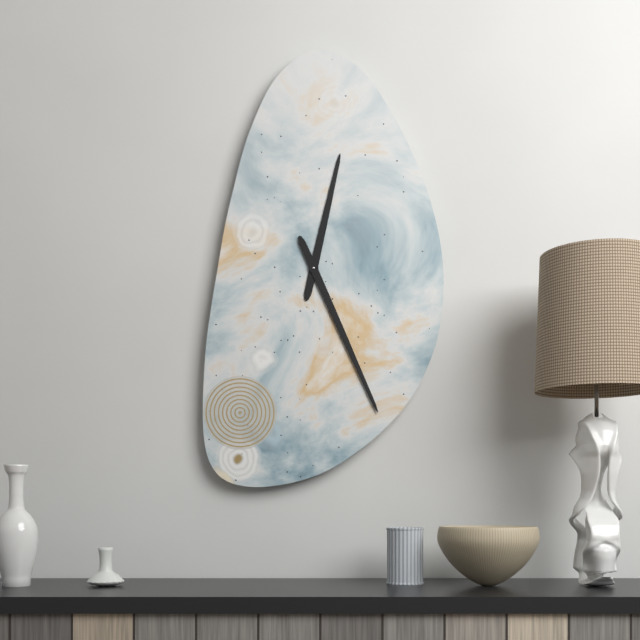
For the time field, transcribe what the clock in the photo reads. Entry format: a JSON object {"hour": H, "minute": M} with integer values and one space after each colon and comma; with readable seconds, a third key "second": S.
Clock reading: {"hour": 12, "minute": 26}
